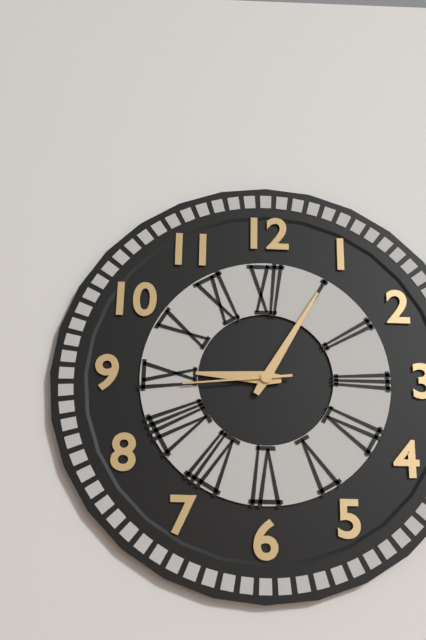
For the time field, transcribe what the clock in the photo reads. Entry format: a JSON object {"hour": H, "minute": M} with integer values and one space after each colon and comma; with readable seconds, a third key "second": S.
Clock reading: {"hour": 9, "minute": 5, "second": 44}
